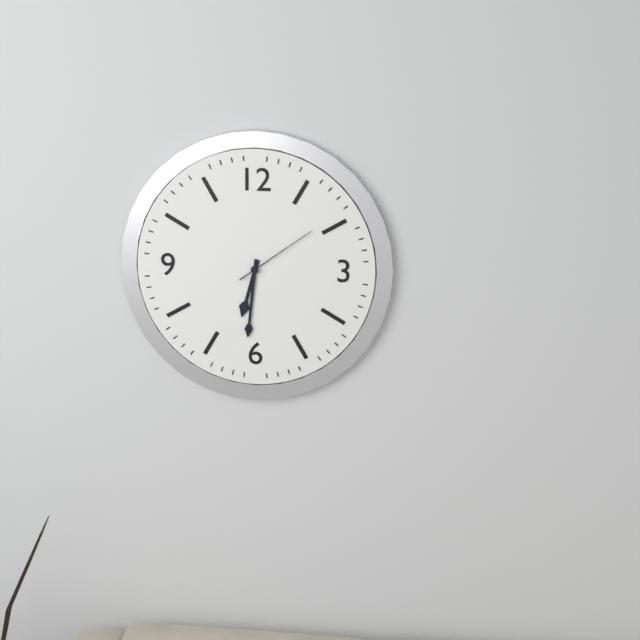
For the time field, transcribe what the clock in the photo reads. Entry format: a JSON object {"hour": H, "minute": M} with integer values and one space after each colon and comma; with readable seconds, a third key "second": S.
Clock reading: {"hour": 6, "minute": 31, "second": 9}
